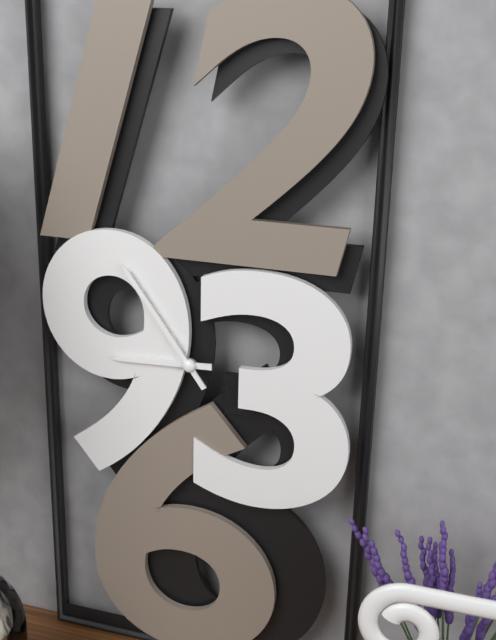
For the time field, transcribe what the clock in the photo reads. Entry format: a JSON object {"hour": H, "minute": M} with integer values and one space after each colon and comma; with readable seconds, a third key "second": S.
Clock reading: {"hour": 8, "minute": 54}
